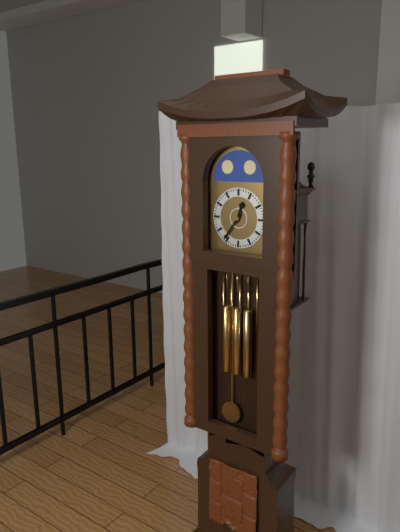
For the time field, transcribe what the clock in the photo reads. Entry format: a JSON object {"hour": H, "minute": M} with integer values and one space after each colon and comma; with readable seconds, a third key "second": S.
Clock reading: {"hour": 12, "minute": 36}
